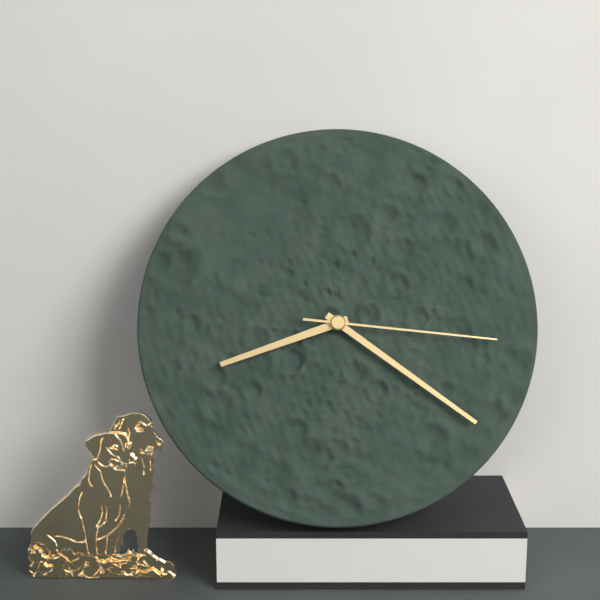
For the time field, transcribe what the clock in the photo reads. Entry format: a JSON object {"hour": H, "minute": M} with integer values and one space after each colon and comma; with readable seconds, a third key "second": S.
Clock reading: {"hour": 8, "minute": 21, "second": 16}
